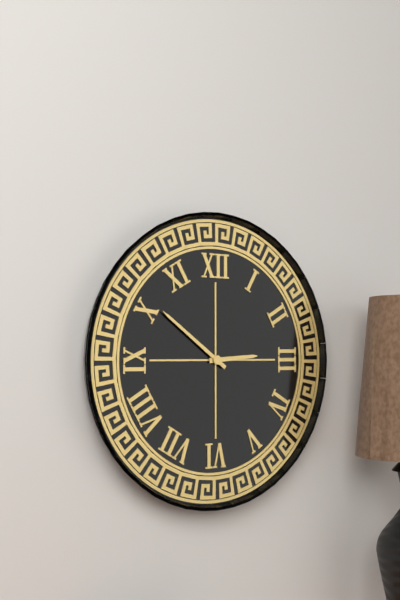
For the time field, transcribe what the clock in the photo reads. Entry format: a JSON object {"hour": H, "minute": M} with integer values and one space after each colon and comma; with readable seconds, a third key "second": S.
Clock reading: {"hour": 2, "minute": 51}
